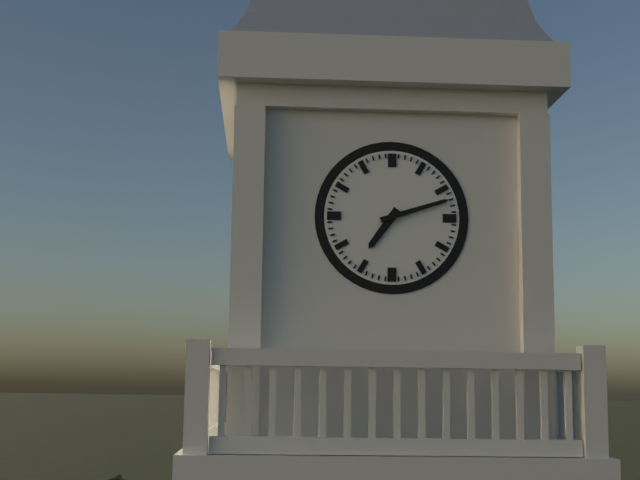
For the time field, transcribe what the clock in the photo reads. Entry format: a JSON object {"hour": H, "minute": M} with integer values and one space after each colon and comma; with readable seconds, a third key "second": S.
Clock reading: {"hour": 7, "minute": 12}
